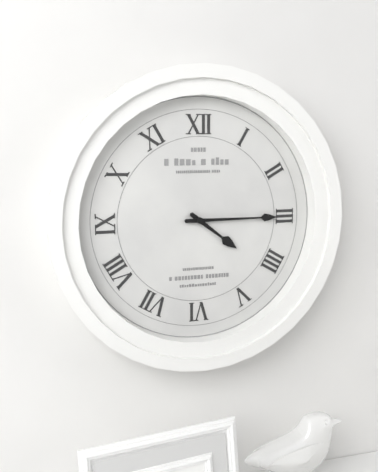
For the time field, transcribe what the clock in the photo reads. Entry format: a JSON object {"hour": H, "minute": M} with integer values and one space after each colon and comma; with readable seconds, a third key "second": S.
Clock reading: {"hour": 4, "minute": 15}
